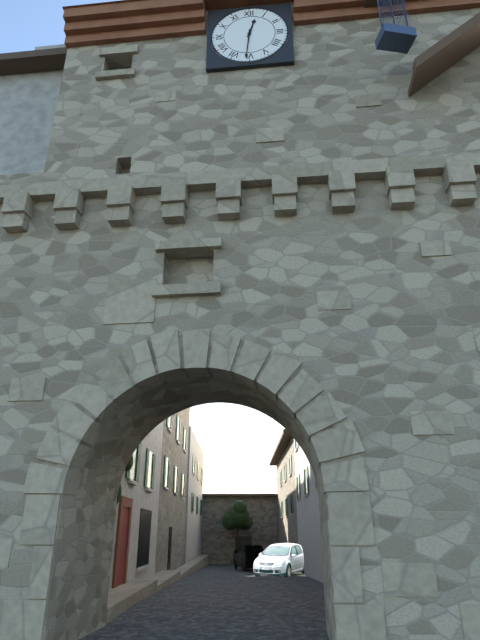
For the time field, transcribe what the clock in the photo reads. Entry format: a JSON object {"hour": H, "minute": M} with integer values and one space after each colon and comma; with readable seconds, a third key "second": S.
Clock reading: {"hour": 12, "minute": 31}
